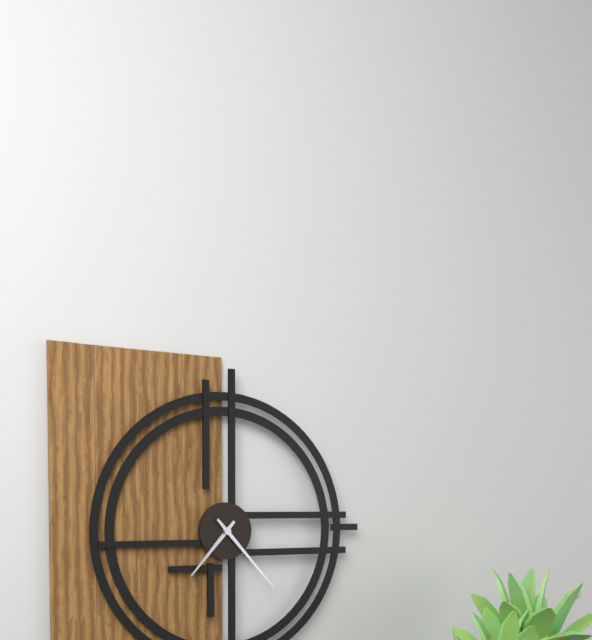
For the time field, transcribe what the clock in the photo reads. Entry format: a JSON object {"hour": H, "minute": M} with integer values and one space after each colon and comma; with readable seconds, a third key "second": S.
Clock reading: {"hour": 7, "minute": 23}
